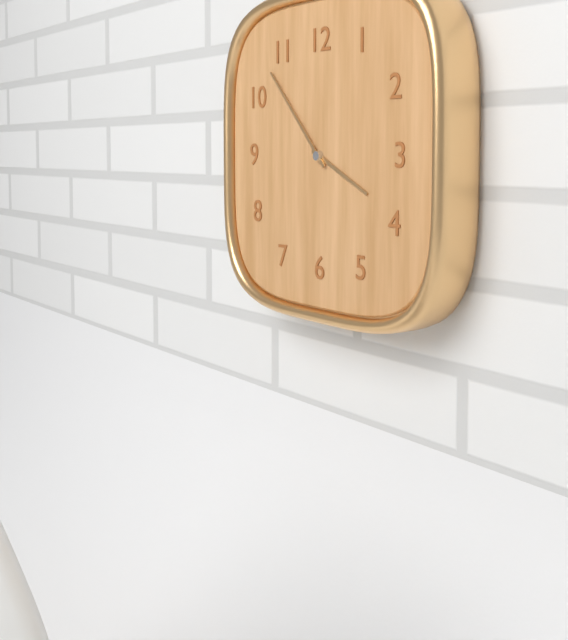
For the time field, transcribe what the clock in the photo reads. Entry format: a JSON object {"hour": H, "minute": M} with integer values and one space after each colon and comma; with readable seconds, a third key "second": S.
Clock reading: {"hour": 3, "minute": 53}
